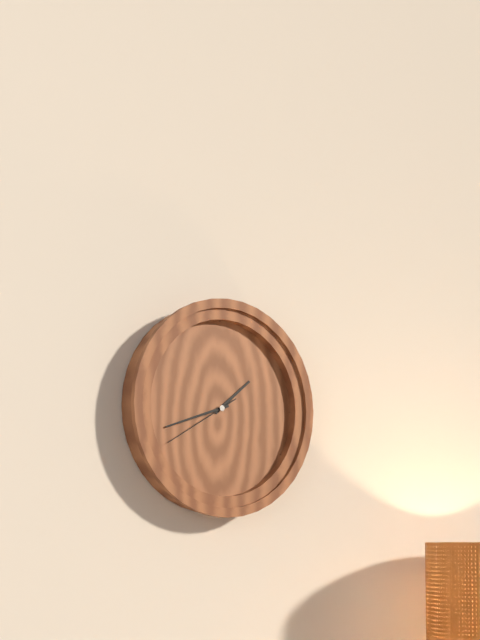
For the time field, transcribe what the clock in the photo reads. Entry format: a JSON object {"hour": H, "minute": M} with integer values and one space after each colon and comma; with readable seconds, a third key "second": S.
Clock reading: {"hour": 1, "minute": 42, "second": 40}
